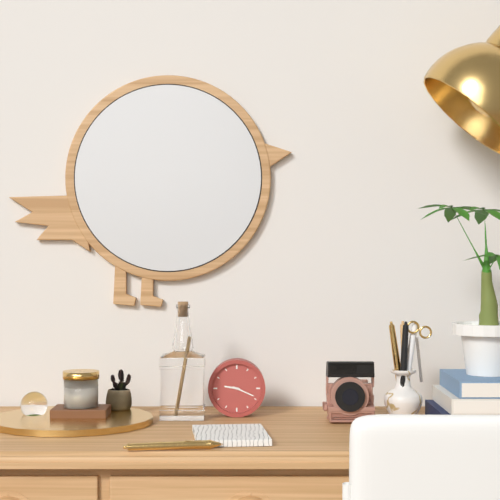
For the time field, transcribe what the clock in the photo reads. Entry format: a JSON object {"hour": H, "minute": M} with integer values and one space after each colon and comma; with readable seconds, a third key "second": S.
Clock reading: {"hour": 9, "minute": 19}
